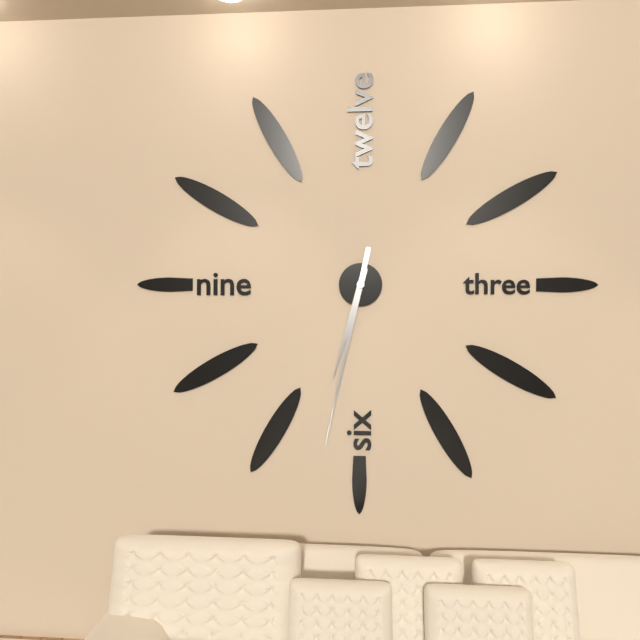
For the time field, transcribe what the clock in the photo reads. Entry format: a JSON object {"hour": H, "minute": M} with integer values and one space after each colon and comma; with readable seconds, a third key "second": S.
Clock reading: {"hour": 6, "minute": 32}
